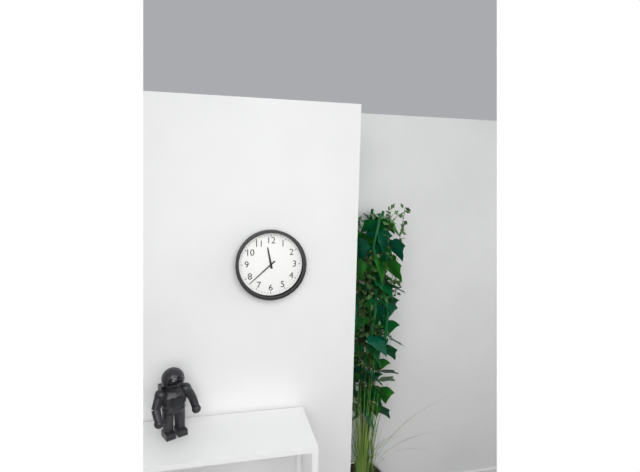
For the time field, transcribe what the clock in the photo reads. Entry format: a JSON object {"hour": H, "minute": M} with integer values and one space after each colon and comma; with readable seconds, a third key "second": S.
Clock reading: {"hour": 11, "minute": 38}
